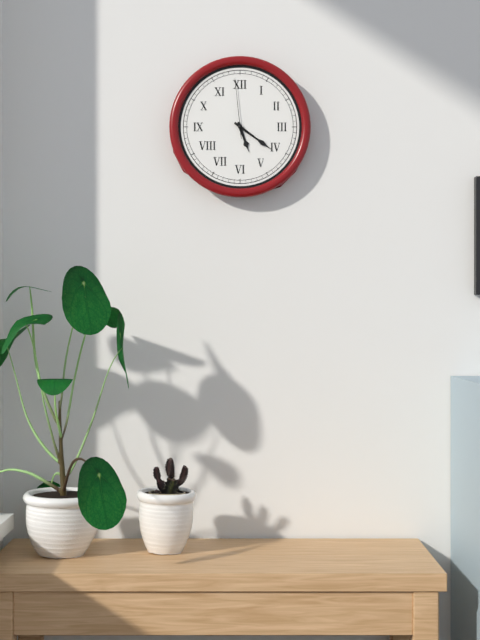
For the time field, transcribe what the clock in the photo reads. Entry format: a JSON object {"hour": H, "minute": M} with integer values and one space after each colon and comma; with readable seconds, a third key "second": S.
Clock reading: {"hour": 5, "minute": 21, "second": 59}
